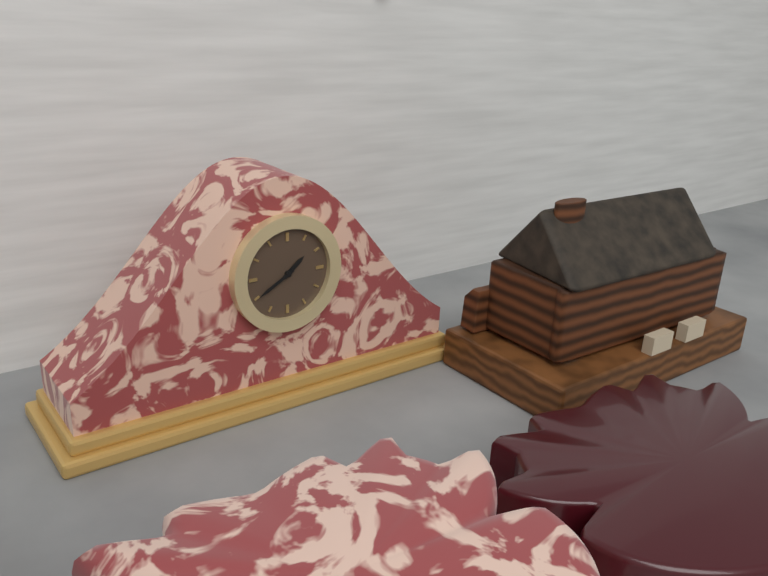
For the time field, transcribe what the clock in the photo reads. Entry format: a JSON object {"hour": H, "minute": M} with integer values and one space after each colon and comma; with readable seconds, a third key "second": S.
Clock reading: {"hour": 1, "minute": 40}
